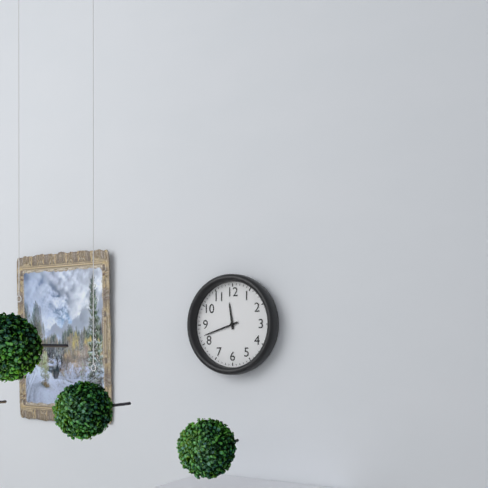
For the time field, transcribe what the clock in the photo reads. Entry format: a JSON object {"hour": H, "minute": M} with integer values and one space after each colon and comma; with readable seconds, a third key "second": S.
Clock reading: {"hour": 11, "minute": 42}
